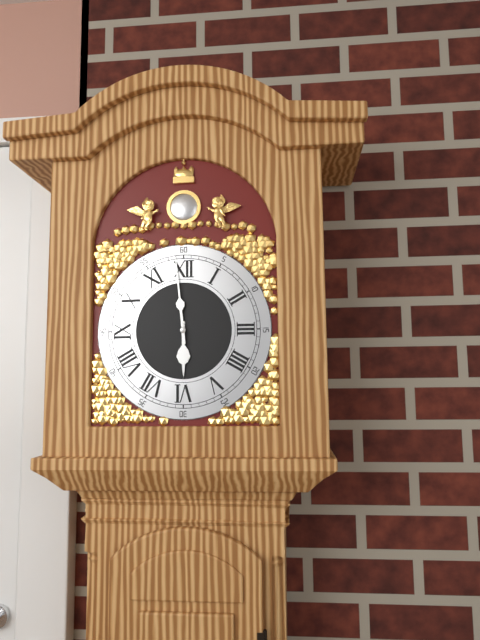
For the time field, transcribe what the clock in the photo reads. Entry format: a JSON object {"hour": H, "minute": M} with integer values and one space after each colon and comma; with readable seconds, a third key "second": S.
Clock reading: {"hour": 5, "minute": 59}
